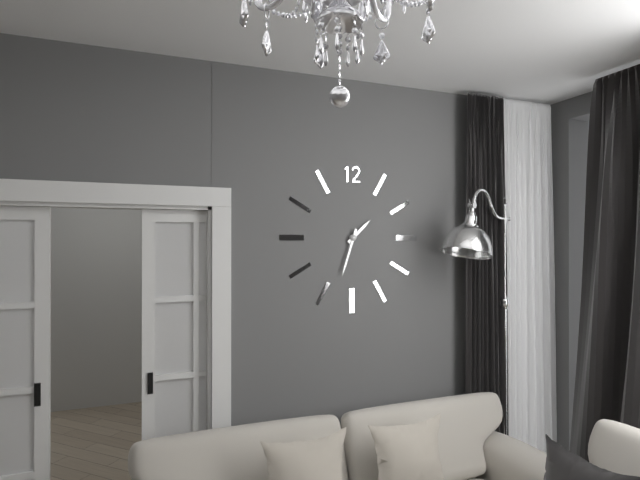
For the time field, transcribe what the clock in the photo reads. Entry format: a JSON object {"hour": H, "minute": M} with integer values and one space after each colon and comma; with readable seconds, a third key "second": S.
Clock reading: {"hour": 1, "minute": 33}
